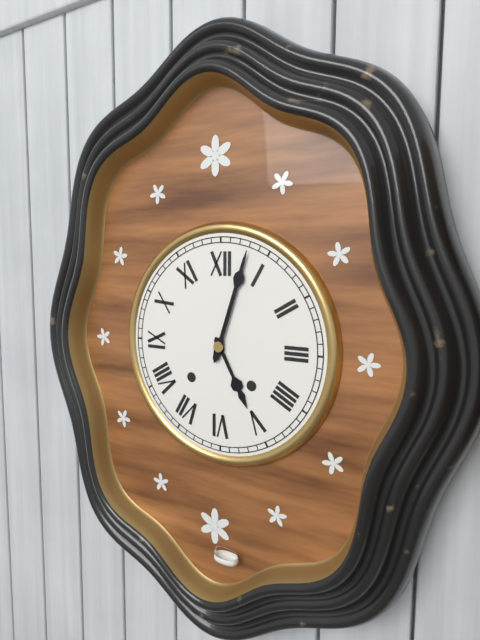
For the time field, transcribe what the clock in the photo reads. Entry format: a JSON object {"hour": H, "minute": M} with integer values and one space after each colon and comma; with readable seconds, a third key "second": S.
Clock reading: {"hour": 5, "minute": 3}
